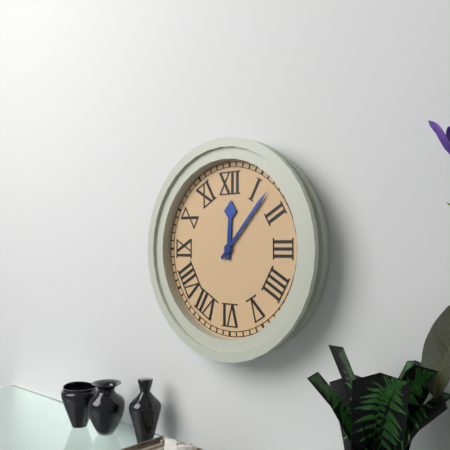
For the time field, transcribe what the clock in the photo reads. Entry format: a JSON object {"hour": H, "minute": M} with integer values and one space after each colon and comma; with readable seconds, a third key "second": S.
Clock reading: {"hour": 12, "minute": 7}
